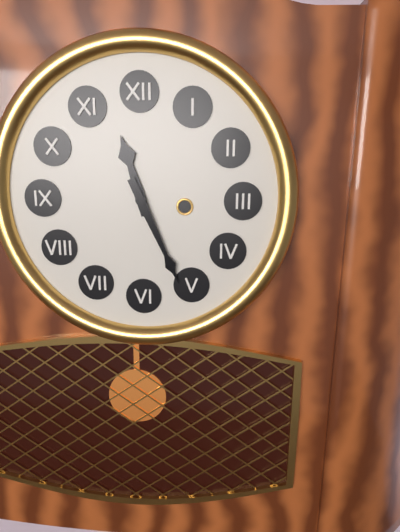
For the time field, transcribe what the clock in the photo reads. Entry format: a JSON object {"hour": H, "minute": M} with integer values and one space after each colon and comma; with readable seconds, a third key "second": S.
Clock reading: {"hour": 11, "minute": 26}
